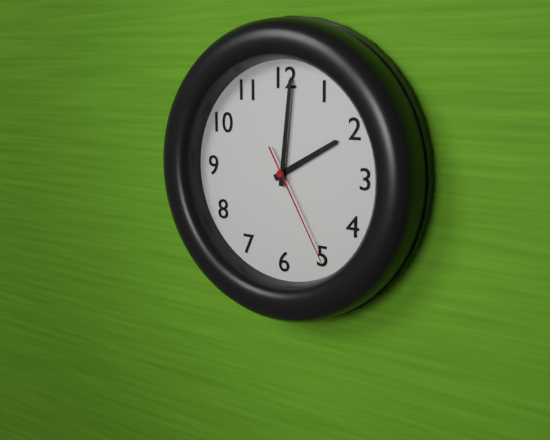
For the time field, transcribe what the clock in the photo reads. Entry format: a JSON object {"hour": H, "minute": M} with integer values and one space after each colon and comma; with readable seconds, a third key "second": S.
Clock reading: {"hour": 2, "minute": 1, "second": 25}
